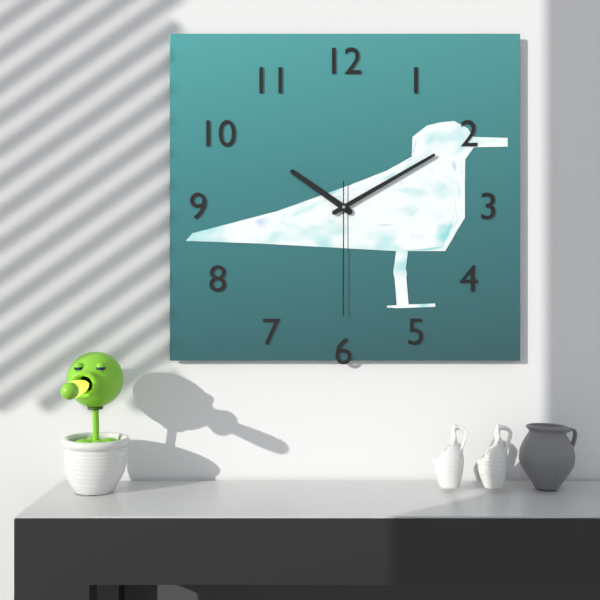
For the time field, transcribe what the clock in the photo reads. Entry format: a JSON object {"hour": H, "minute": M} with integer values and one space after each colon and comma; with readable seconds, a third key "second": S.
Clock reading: {"hour": 10, "minute": 10, "second": 30}
